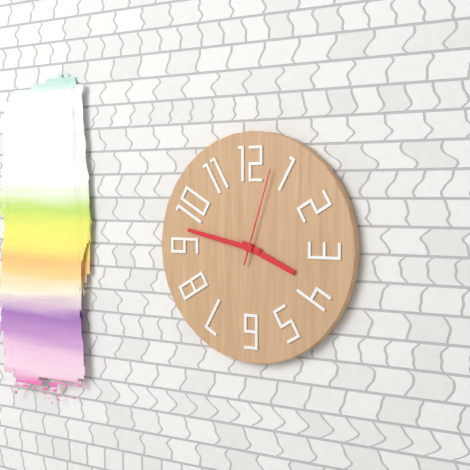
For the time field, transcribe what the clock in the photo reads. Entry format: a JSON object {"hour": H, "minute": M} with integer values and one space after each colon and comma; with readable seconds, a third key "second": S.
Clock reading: {"hour": 3, "minute": 47, "second": 3}
